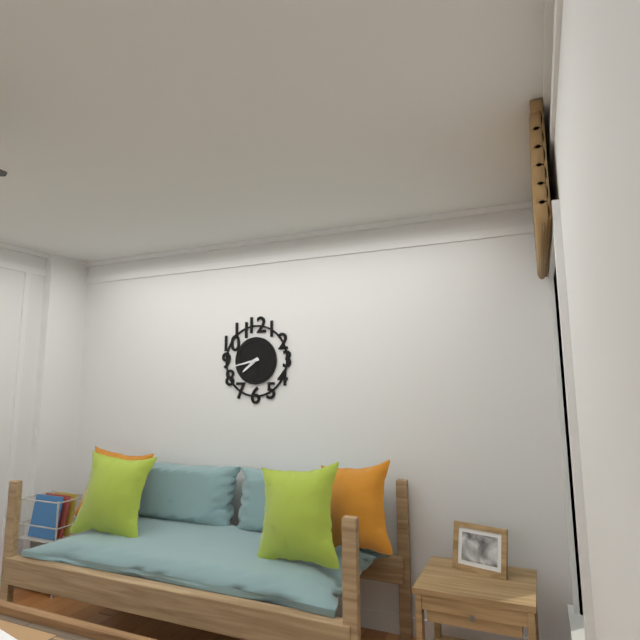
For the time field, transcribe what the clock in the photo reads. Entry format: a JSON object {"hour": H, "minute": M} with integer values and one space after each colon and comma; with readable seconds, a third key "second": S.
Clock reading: {"hour": 7, "minute": 43}
